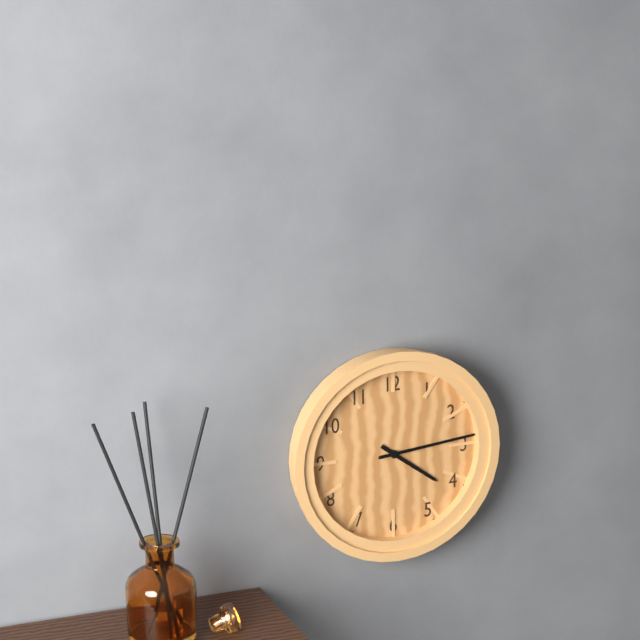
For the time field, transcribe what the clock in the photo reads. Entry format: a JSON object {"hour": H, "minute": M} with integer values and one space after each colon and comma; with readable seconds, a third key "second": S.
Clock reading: {"hour": 4, "minute": 14, "second": 14}
